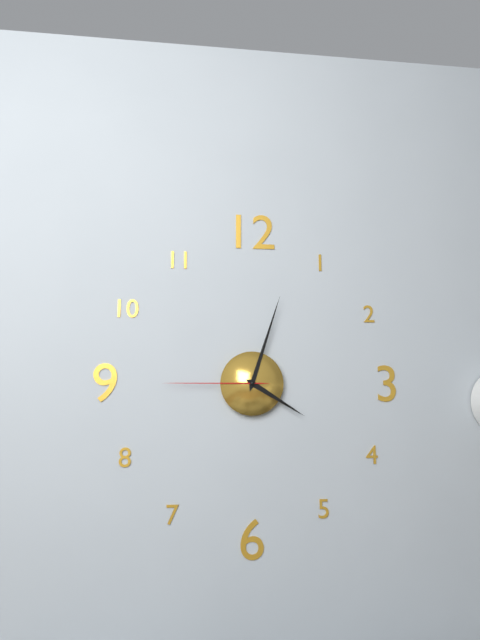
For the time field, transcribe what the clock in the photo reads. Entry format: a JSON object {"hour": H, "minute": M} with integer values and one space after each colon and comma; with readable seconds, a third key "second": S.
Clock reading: {"hour": 4, "minute": 3, "second": 45}
